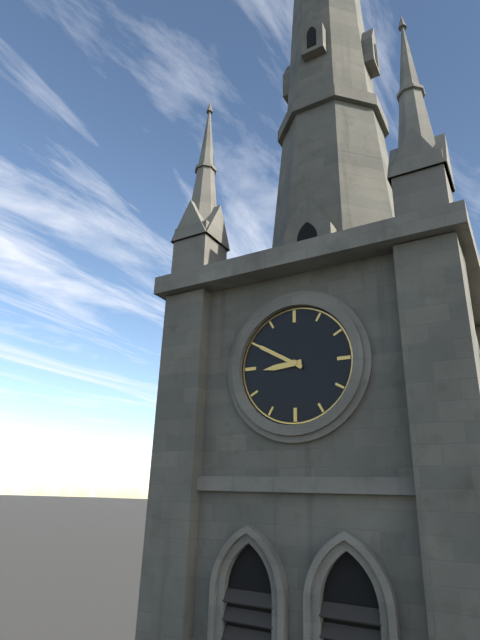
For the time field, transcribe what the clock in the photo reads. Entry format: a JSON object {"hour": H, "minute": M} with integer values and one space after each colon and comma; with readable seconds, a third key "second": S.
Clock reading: {"hour": 8, "minute": 50}
